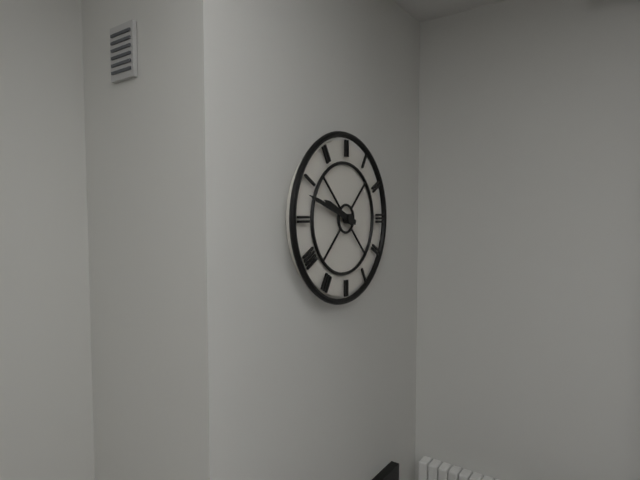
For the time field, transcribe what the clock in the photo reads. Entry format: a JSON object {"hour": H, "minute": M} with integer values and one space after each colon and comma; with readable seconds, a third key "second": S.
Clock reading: {"hour": 9, "minute": 48}
